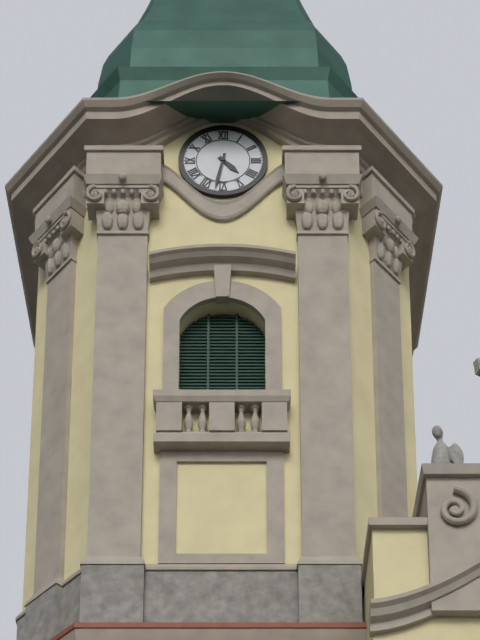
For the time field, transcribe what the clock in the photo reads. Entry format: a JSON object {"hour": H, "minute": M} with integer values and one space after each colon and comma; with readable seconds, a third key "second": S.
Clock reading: {"hour": 4, "minute": 32}
